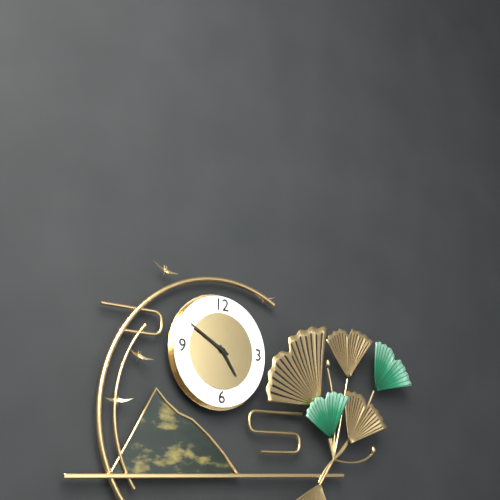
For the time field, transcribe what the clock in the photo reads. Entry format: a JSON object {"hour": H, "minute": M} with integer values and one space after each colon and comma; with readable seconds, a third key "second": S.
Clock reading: {"hour": 4, "minute": 50}
